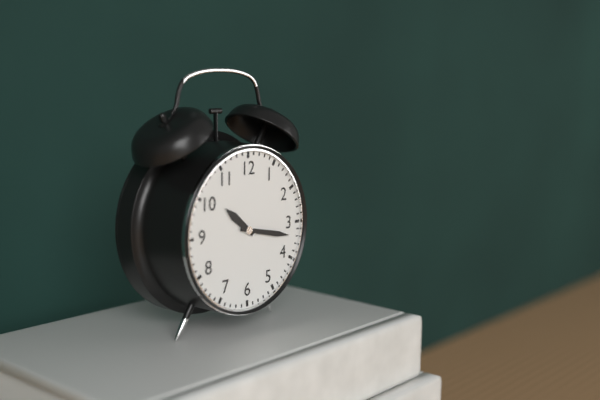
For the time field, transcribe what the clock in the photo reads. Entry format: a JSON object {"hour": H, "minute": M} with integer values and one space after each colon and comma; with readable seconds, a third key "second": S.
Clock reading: {"hour": 10, "minute": 17}
